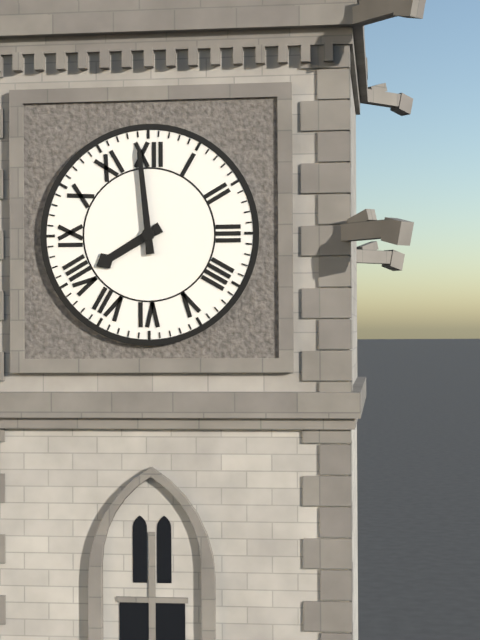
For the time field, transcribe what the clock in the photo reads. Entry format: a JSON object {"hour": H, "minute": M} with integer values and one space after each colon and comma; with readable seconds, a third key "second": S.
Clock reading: {"hour": 7, "minute": 59}
